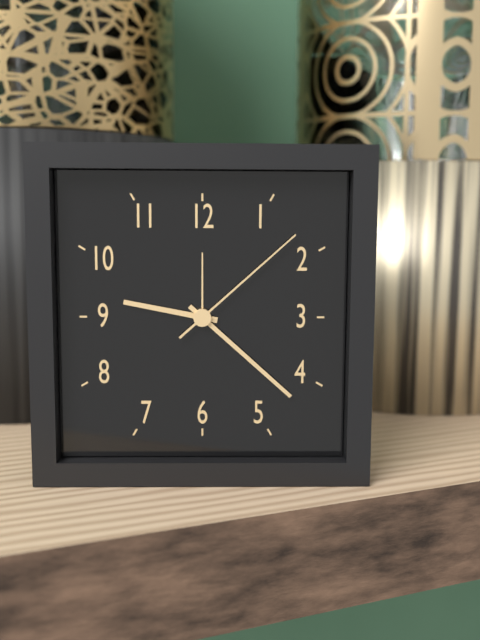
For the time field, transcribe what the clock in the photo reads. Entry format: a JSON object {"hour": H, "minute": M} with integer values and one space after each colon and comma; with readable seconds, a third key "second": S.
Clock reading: {"hour": 9, "minute": 22, "second": 8}
